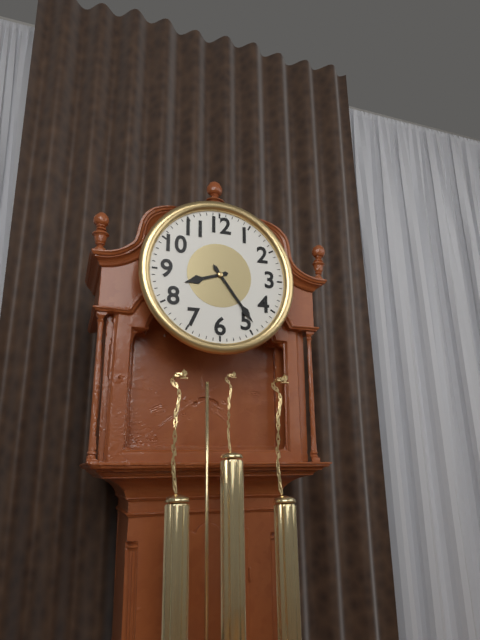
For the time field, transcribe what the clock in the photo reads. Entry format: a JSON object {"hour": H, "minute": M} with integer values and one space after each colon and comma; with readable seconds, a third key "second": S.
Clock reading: {"hour": 8, "minute": 24}
